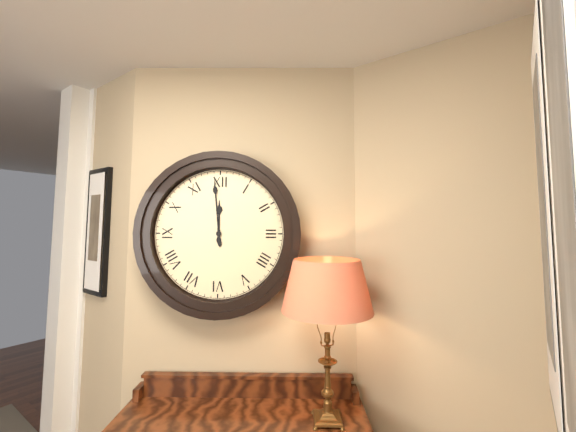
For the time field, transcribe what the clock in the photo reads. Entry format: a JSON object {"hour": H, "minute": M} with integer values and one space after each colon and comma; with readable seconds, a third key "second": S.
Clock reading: {"hour": 11, "minute": 59}
